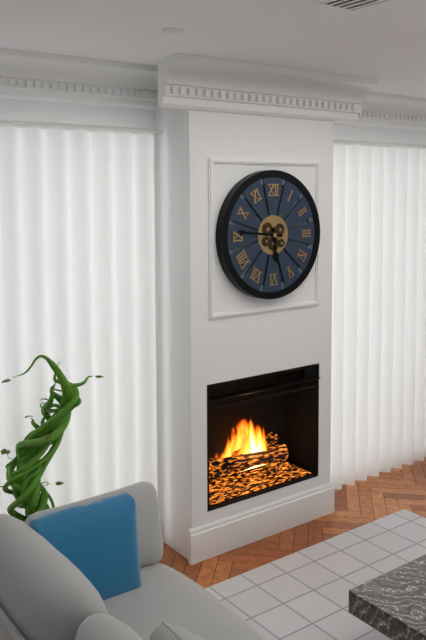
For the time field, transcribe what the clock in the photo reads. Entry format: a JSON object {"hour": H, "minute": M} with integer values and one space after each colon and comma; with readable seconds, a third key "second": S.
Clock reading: {"hour": 5, "minute": 46}
